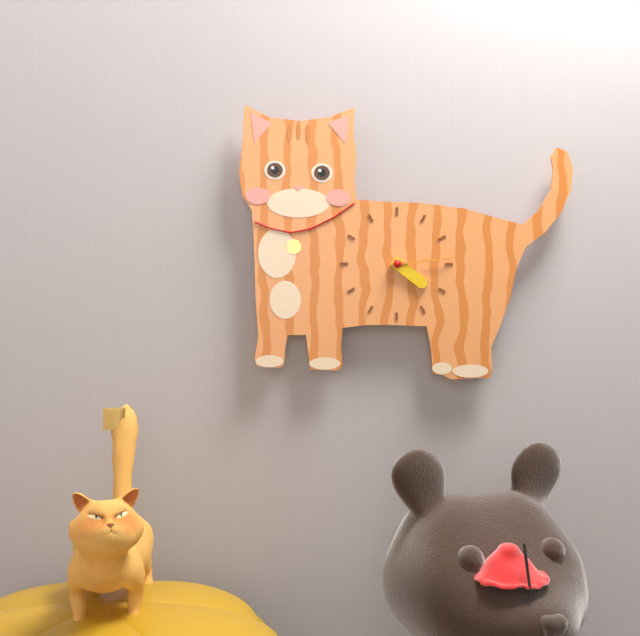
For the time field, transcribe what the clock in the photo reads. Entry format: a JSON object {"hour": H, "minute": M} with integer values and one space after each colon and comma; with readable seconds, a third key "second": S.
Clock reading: {"hour": 4, "minute": 14}
